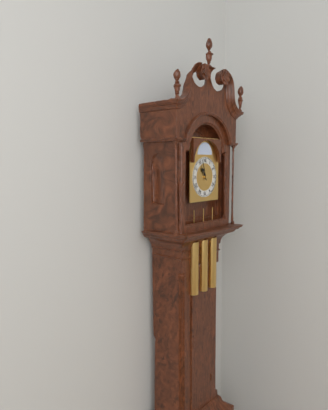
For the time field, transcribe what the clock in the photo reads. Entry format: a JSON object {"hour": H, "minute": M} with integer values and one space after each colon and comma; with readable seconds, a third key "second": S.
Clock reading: {"hour": 10, "minute": 57}
